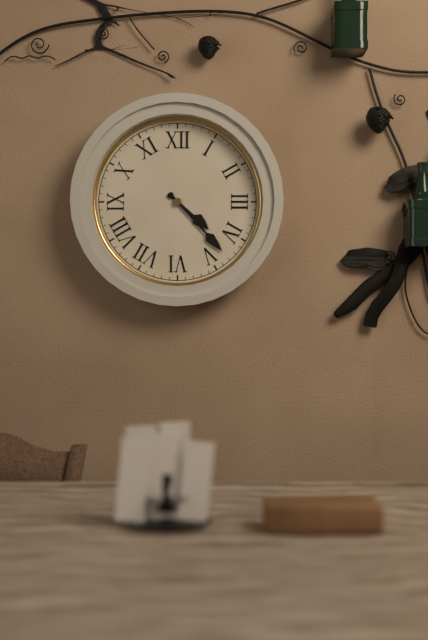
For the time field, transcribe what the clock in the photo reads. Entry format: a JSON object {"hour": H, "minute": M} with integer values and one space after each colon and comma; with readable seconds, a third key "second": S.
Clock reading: {"hour": 4, "minute": 23}
